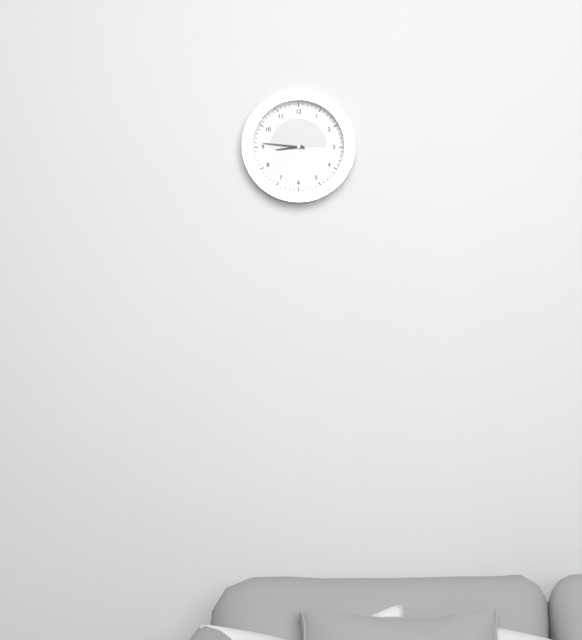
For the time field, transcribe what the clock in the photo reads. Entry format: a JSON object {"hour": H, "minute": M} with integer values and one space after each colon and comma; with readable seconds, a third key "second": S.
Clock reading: {"hour": 8, "minute": 46}
